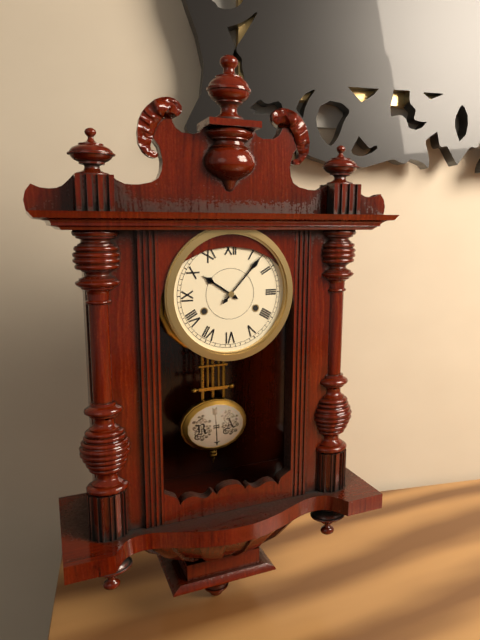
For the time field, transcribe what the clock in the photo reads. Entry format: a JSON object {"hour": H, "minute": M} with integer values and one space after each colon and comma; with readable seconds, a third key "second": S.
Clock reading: {"hour": 10, "minute": 7}
